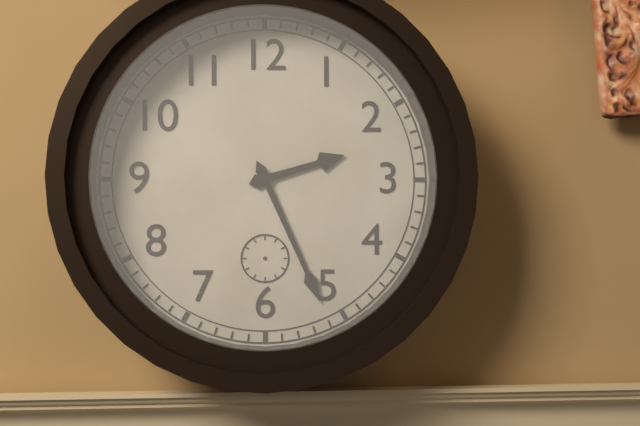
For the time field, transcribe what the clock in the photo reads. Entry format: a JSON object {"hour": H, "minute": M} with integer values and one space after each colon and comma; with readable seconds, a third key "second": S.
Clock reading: {"hour": 2, "minute": 26}
